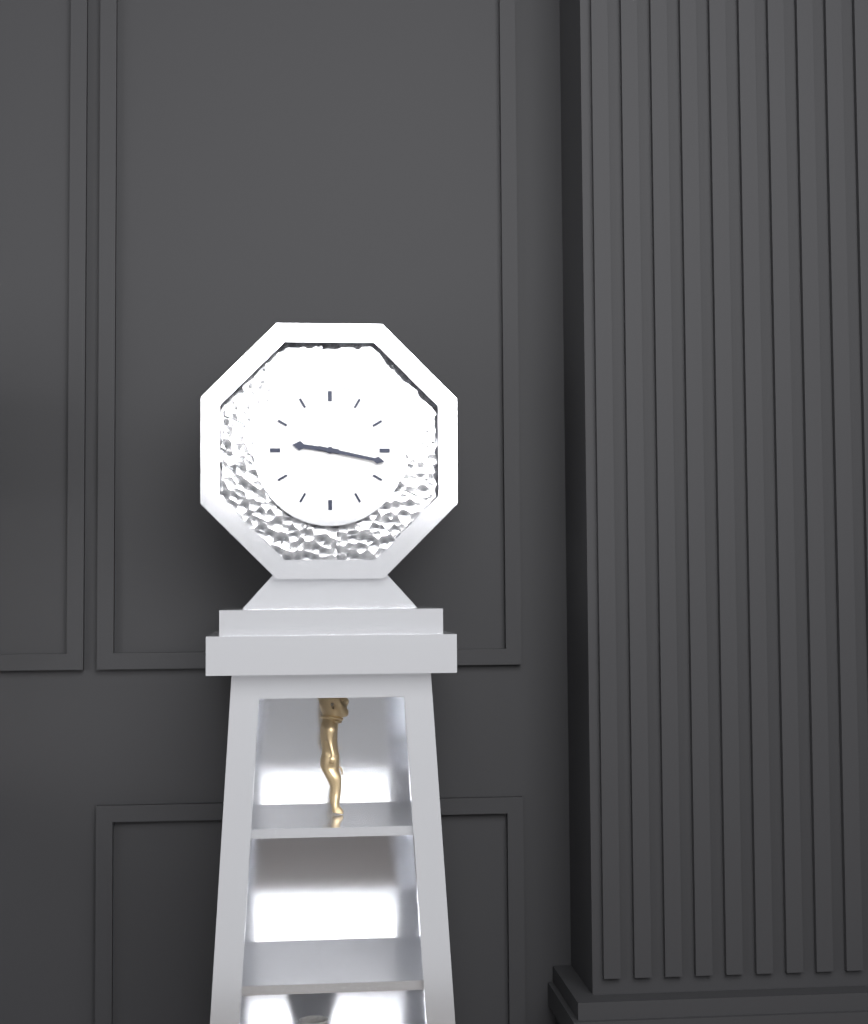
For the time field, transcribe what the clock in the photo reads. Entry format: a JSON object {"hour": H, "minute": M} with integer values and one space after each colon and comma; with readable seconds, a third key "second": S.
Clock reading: {"hour": 9, "minute": 17}
